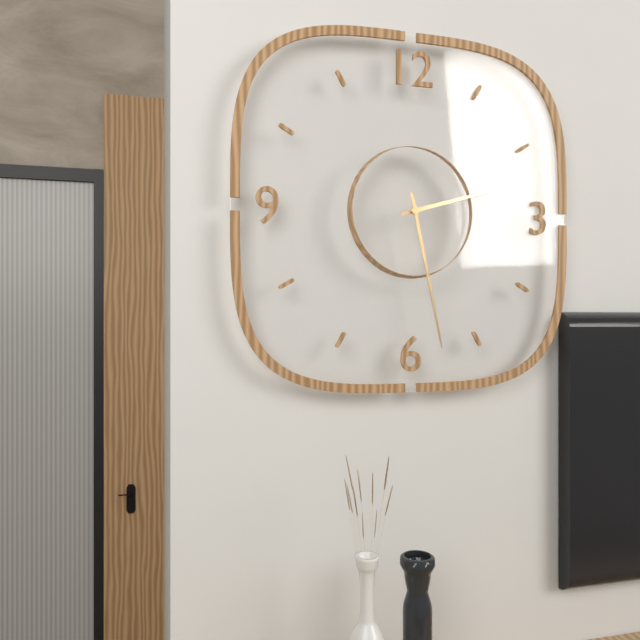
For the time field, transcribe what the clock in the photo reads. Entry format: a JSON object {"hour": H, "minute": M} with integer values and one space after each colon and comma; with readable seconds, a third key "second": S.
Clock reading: {"hour": 2, "minute": 28}
